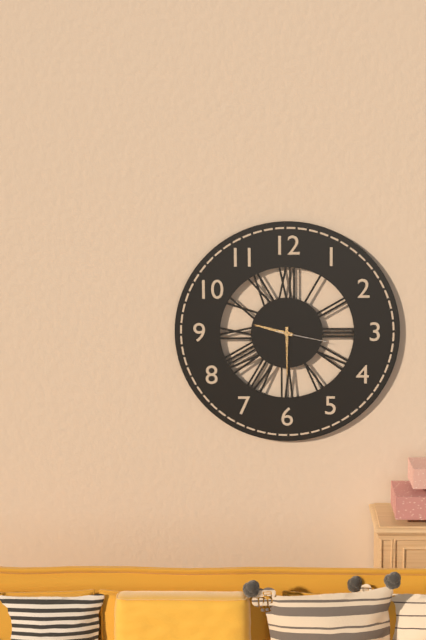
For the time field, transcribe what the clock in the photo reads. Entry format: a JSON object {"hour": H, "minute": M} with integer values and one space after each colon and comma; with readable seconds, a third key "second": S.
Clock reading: {"hour": 9, "minute": 30, "second": 17}
